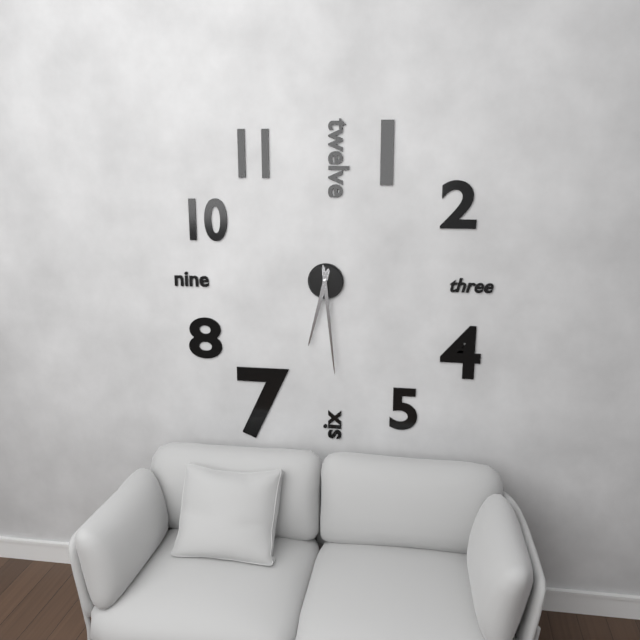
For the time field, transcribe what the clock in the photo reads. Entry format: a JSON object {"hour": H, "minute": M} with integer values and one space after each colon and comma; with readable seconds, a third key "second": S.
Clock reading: {"hour": 6, "minute": 29}
